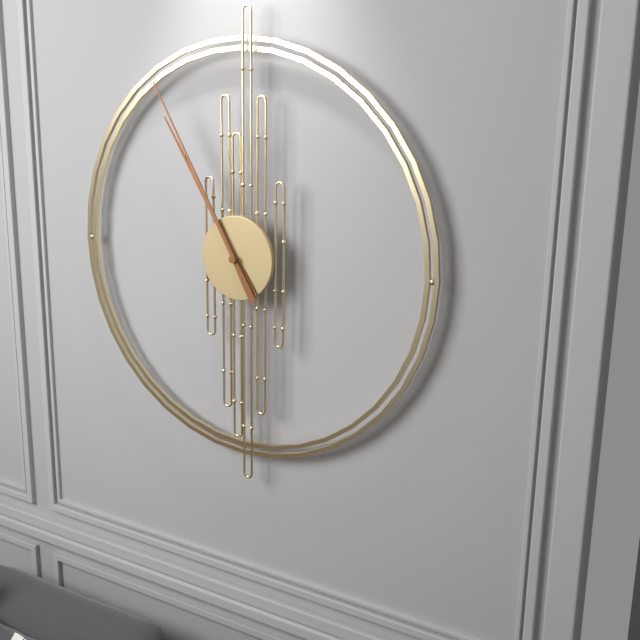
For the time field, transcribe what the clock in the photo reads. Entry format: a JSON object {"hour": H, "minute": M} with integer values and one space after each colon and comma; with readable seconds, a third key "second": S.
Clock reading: {"hour": 10, "minute": 55}
